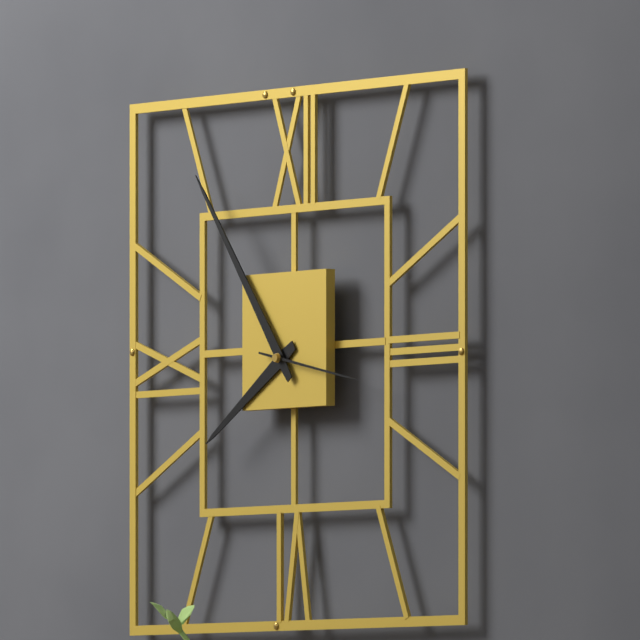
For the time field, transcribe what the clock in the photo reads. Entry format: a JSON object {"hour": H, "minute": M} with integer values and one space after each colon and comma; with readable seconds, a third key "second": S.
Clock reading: {"hour": 7, "minute": 54, "second": 17}
